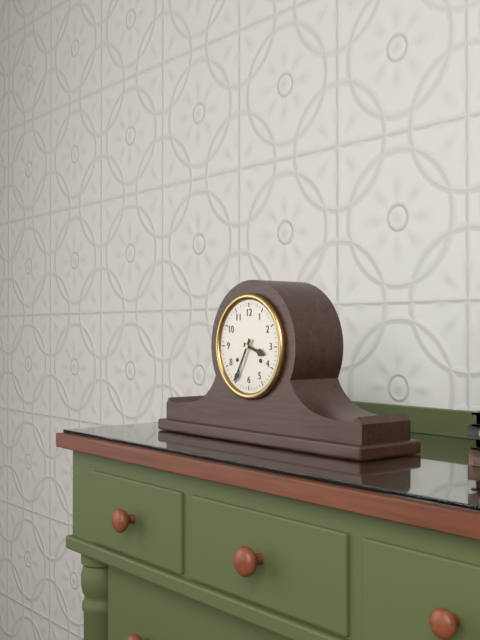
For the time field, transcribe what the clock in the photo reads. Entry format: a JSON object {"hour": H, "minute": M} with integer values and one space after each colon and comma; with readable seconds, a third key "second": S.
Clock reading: {"hour": 3, "minute": 35}
